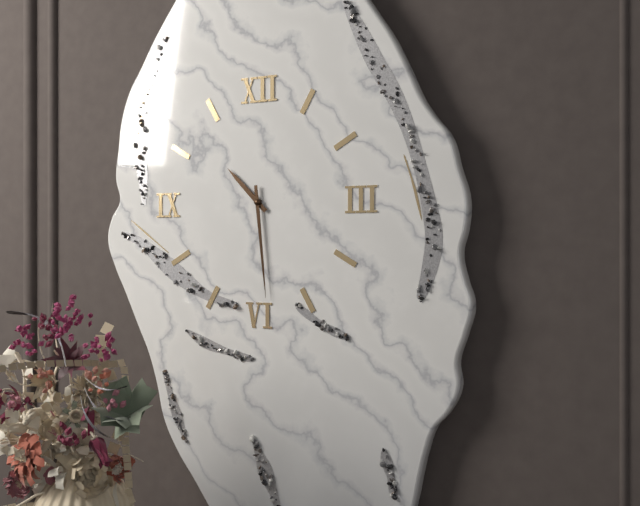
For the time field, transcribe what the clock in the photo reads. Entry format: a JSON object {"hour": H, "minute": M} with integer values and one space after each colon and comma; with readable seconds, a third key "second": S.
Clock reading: {"hour": 10, "minute": 29}
